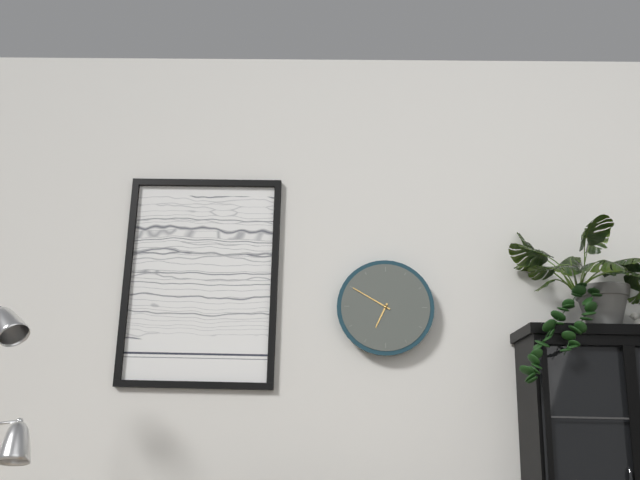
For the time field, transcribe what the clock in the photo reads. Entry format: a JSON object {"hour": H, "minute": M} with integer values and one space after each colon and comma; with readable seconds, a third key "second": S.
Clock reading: {"hour": 6, "minute": 50}
